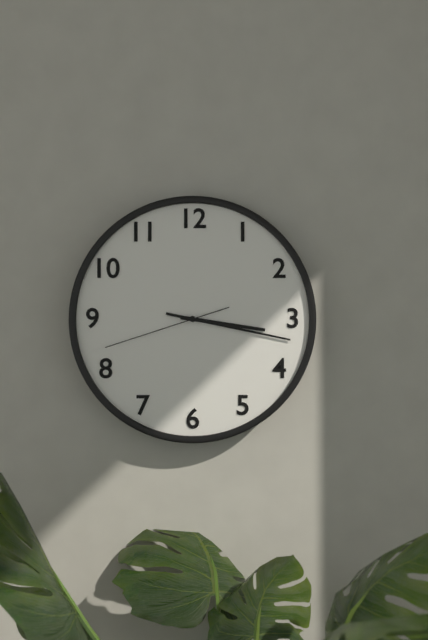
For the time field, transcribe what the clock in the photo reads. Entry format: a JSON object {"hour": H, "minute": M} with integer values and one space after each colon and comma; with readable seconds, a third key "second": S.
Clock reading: {"hour": 3, "minute": 17, "second": 42}
